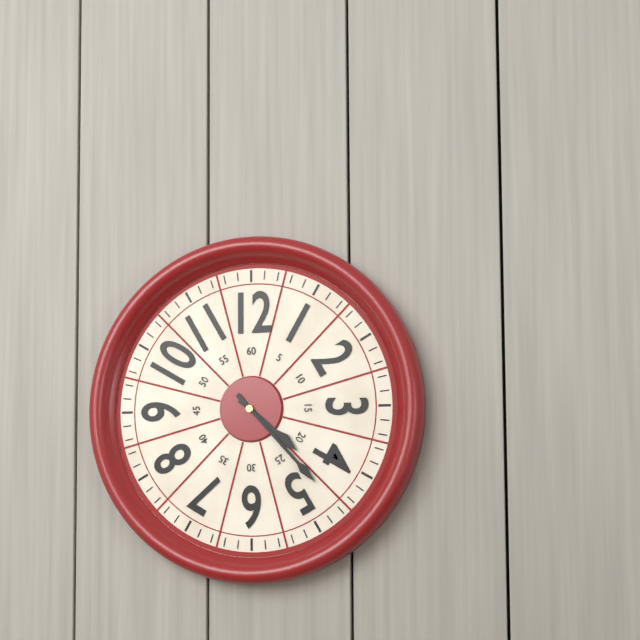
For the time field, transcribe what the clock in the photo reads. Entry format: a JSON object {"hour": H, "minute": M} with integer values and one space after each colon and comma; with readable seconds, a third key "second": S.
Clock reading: {"hour": 4, "minute": 23}
